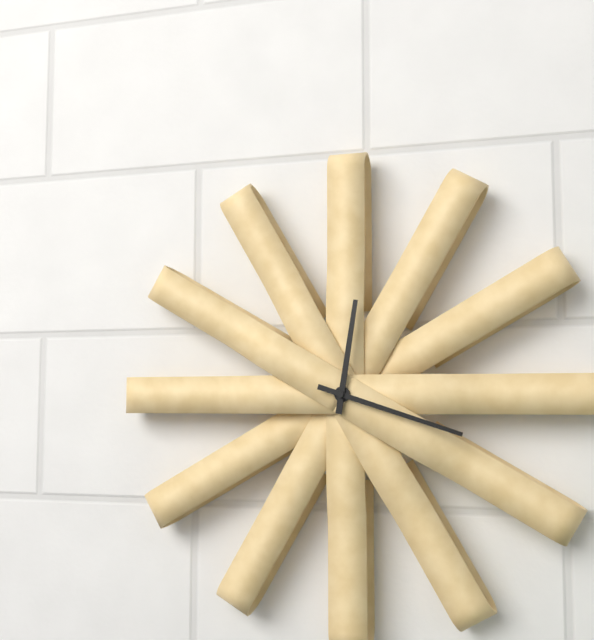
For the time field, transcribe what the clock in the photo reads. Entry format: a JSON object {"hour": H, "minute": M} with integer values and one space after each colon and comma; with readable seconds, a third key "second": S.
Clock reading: {"hour": 12, "minute": 18}
